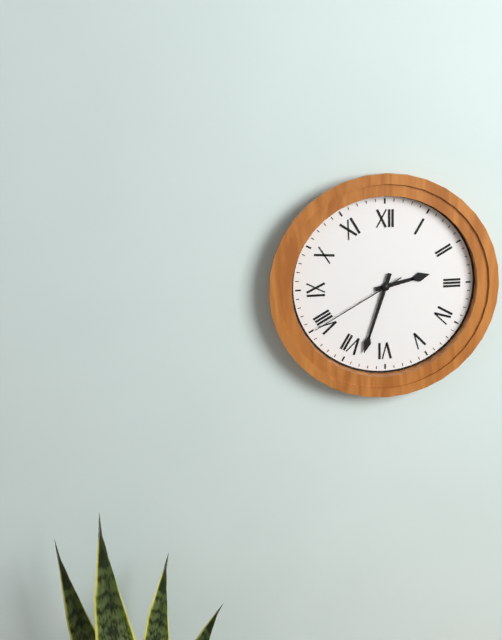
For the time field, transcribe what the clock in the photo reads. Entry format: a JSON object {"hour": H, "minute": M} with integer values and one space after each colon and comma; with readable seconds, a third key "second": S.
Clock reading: {"hour": 2, "minute": 33, "second": 40}
